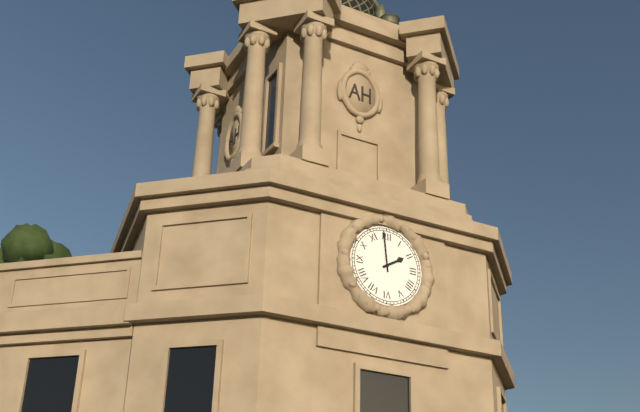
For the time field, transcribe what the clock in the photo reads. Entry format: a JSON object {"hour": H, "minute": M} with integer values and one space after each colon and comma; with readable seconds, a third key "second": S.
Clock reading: {"hour": 1, "minute": 59}
